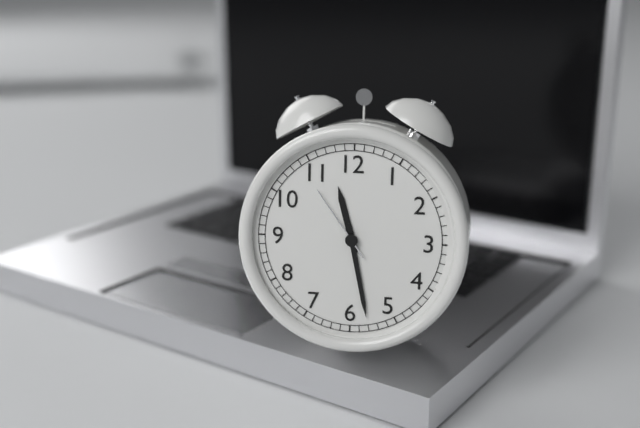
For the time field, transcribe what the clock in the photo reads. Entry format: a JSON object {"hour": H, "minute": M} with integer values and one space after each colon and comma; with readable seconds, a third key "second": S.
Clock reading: {"hour": 11, "minute": 28, "second": 54}
